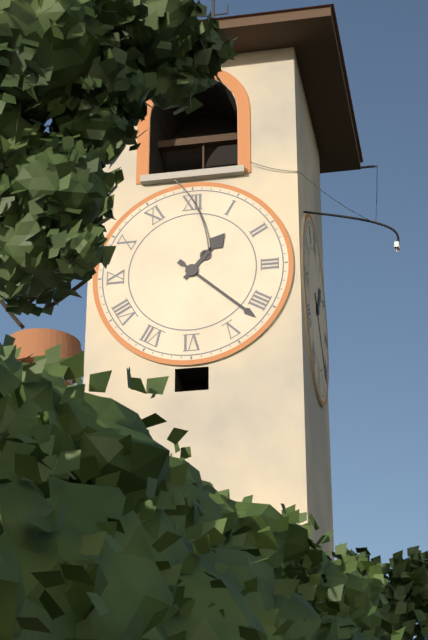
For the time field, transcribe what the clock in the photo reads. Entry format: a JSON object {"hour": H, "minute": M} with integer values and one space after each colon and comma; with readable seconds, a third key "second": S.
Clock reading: {"hour": 1, "minute": 22}
